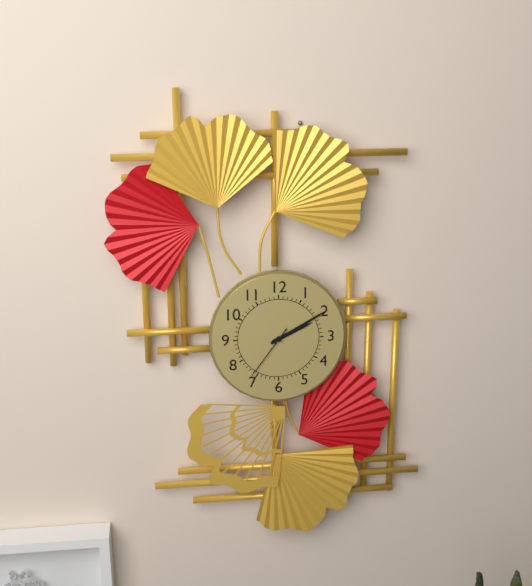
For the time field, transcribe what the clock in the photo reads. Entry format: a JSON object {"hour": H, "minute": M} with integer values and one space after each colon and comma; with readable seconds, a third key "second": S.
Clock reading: {"hour": 2, "minute": 10, "second": 36}
